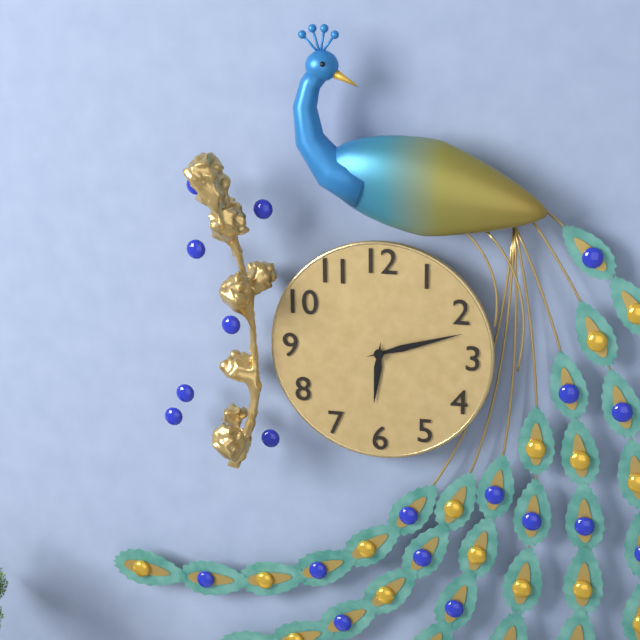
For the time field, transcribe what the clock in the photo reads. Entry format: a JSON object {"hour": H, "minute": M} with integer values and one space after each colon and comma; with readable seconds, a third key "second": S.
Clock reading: {"hour": 6, "minute": 12}
